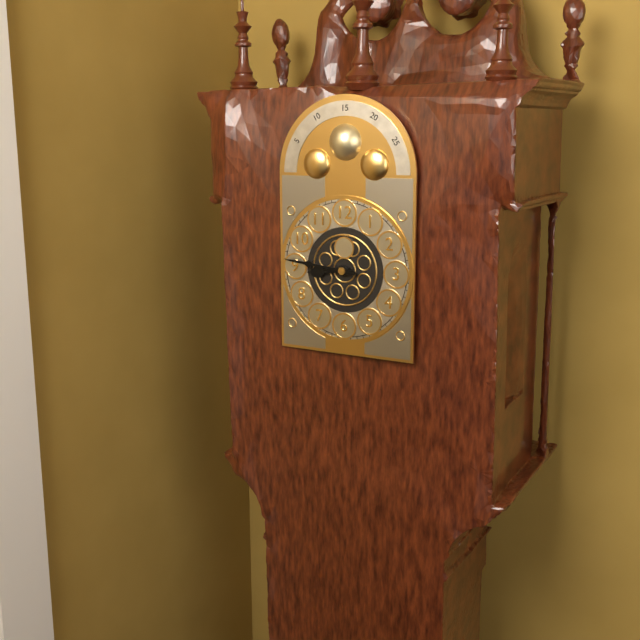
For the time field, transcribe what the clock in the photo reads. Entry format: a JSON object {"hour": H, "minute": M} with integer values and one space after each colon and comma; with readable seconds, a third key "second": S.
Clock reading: {"hour": 8, "minute": 46}
